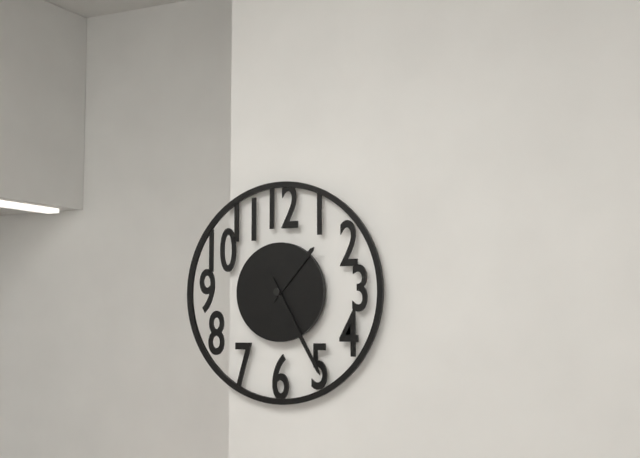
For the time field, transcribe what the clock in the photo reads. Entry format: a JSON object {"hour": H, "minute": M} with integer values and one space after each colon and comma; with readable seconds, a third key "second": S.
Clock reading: {"hour": 1, "minute": 25}
